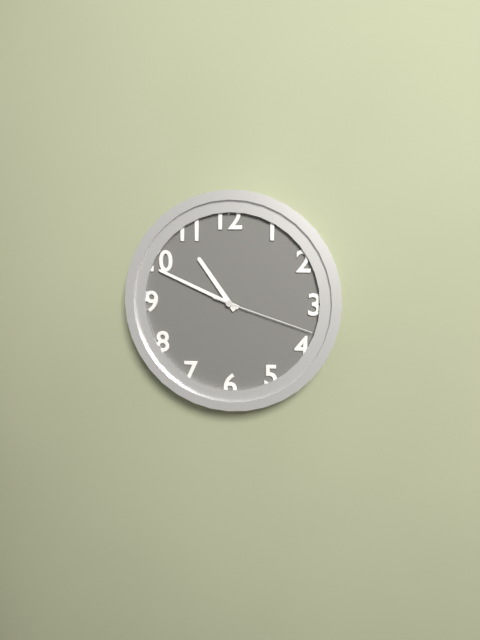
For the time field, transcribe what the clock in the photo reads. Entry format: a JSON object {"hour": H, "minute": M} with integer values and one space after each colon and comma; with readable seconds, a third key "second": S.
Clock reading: {"hour": 10, "minute": 49, "second": 18}
